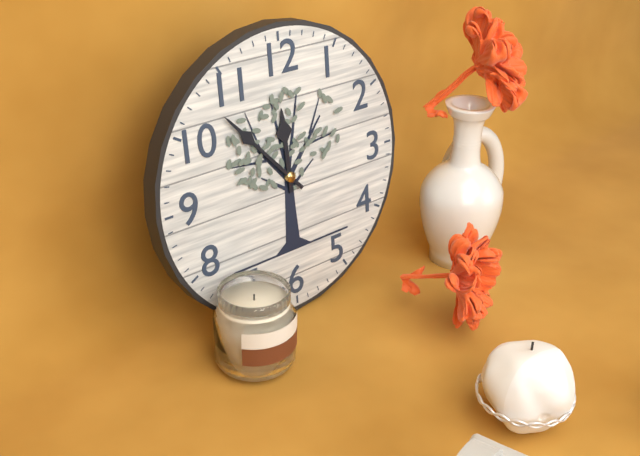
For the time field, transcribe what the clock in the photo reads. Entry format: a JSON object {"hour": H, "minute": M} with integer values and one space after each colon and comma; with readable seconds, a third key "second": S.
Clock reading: {"hour": 11, "minute": 53}
